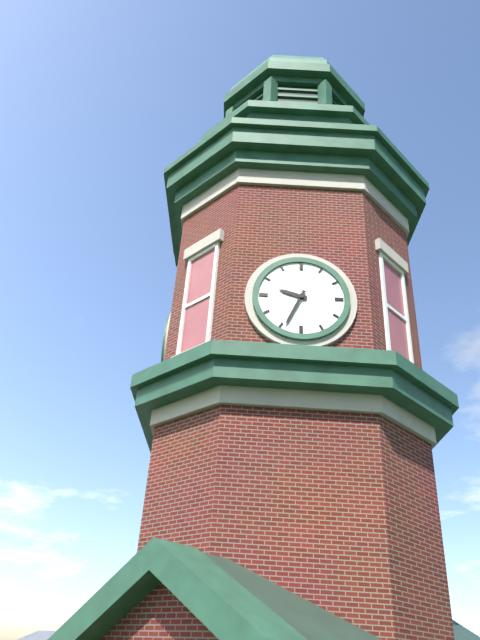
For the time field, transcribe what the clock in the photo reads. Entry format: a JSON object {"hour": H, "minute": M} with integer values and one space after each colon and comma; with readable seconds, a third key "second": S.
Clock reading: {"hour": 9, "minute": 34}
